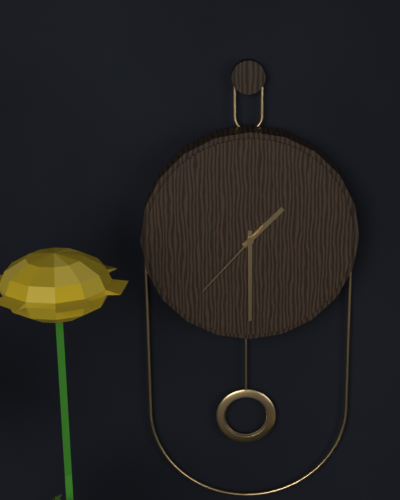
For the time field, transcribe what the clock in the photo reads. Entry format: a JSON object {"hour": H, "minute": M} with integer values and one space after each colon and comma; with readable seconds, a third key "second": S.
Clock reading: {"hour": 1, "minute": 30, "second": 37}
